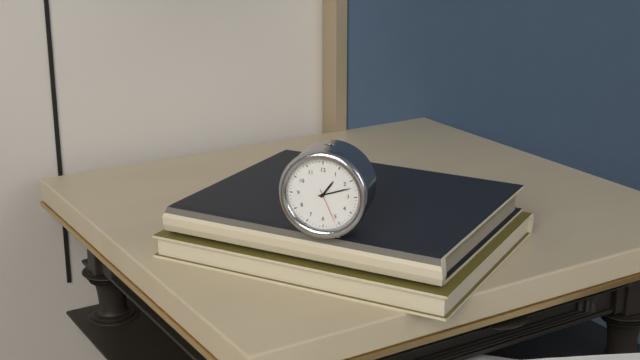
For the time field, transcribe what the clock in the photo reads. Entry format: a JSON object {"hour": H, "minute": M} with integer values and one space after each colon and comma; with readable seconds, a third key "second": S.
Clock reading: {"hour": 1, "minute": 12}
